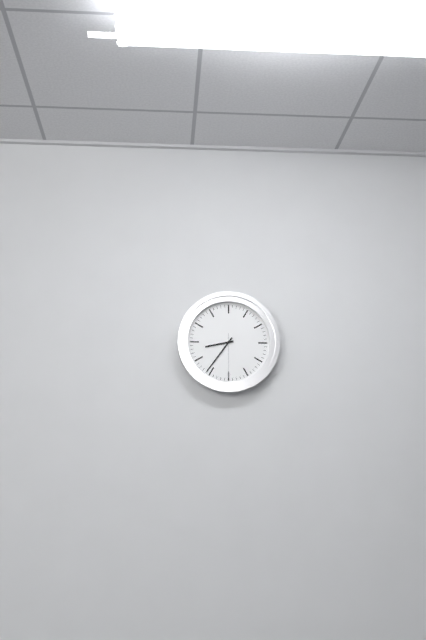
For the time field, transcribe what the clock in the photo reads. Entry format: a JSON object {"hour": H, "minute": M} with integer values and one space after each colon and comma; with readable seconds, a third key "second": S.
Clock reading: {"hour": 8, "minute": 36}
